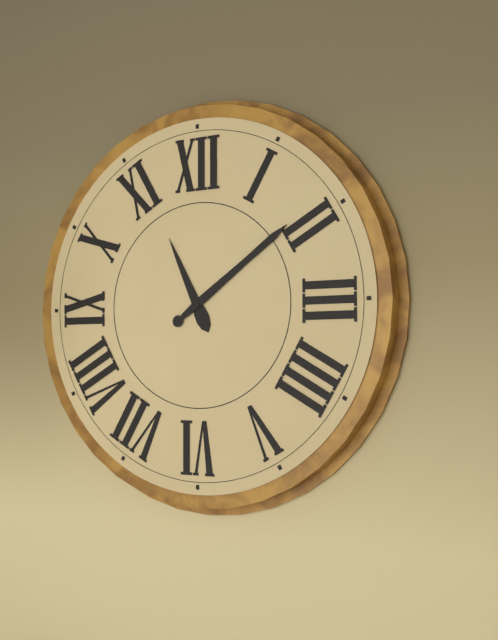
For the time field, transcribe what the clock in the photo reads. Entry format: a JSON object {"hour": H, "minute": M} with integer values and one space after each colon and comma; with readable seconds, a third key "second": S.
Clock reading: {"hour": 11, "minute": 9}
